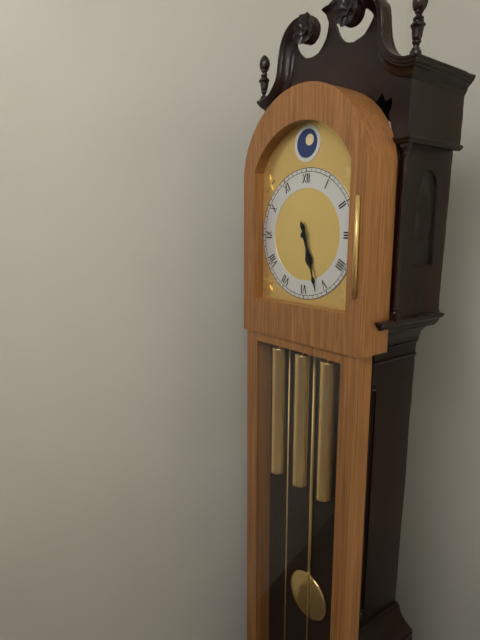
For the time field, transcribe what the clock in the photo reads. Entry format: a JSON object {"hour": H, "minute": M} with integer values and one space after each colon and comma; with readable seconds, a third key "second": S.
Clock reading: {"hour": 5, "minute": 27}
